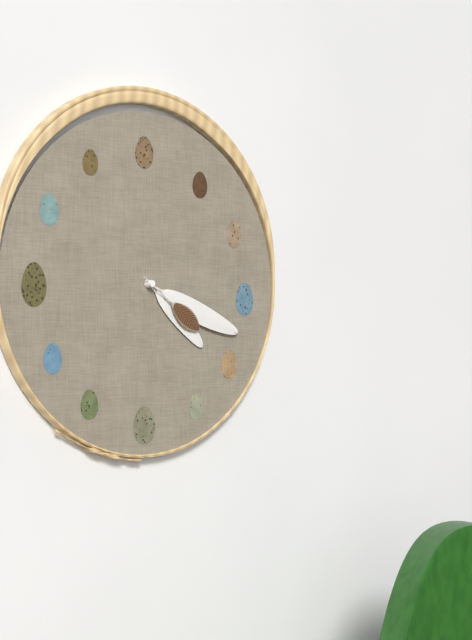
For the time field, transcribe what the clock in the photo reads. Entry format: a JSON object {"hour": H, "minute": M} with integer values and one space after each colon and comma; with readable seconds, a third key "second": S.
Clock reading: {"hour": 4, "minute": 19, "second": 21}
